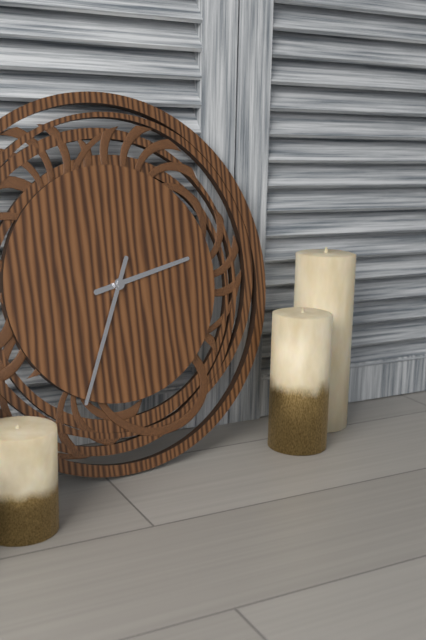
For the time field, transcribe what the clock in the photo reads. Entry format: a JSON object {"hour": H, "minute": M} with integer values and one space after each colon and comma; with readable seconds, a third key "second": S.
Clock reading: {"hour": 2, "minute": 34}
